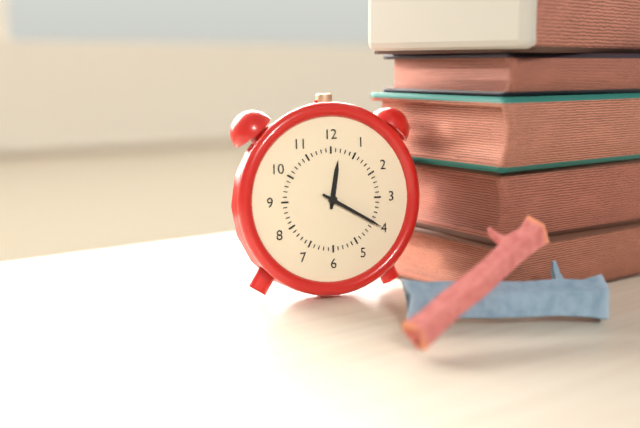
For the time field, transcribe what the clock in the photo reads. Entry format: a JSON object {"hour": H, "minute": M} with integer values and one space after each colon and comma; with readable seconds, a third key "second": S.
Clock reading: {"hour": 12, "minute": 20}
